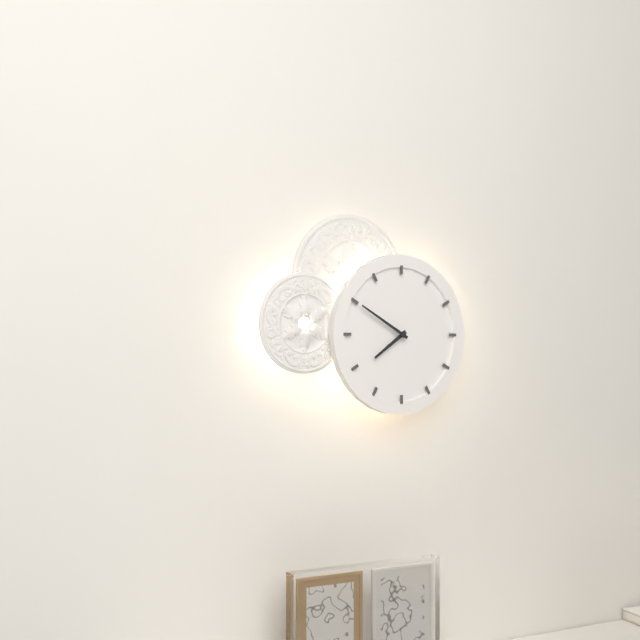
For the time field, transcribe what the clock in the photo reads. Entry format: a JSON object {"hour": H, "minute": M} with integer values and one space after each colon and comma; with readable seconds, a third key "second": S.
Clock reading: {"hour": 7, "minute": 50}
